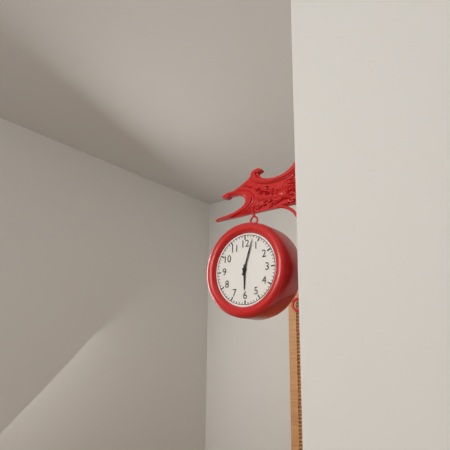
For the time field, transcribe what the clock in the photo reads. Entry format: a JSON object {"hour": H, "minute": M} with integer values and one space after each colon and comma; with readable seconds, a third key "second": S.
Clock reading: {"hour": 6, "minute": 3}
